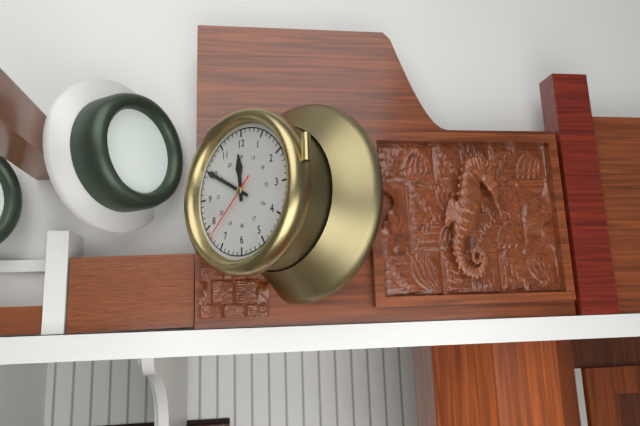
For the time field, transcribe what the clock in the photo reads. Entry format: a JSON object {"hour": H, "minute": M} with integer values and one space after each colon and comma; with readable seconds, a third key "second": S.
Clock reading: {"hour": 11, "minute": 50, "second": 38}
